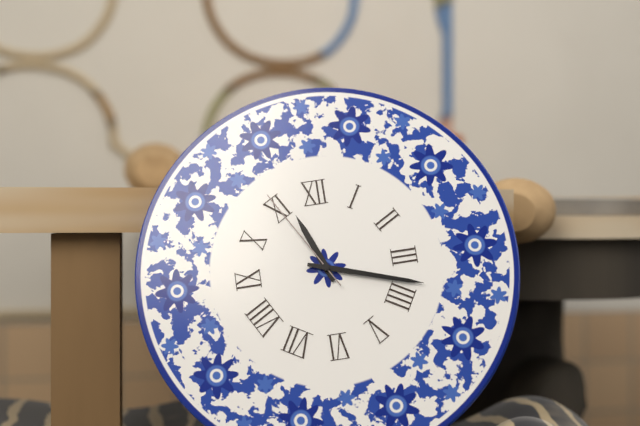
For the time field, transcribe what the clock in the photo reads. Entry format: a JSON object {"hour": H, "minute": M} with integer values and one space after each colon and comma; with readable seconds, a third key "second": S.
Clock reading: {"hour": 11, "minute": 18, "second": 55}
